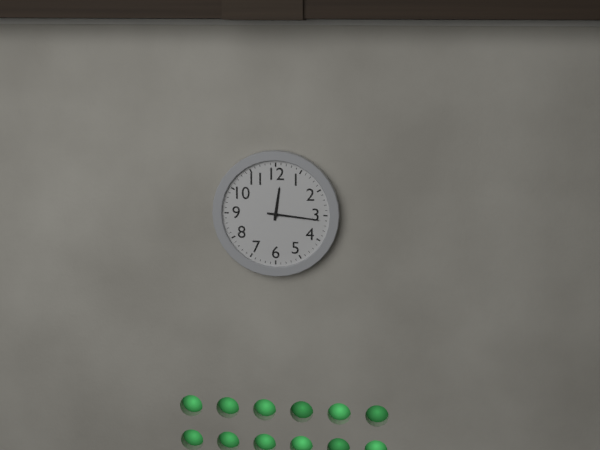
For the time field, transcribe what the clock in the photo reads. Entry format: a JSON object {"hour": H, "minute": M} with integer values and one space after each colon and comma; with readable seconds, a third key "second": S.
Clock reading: {"hour": 12, "minute": 16}
